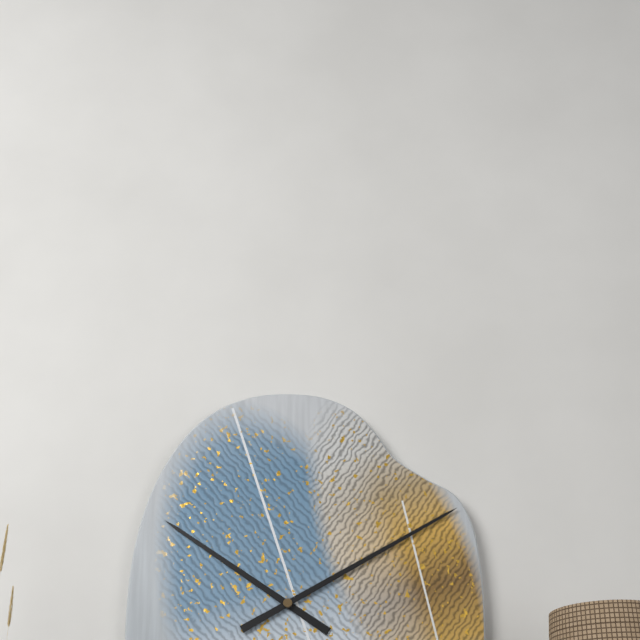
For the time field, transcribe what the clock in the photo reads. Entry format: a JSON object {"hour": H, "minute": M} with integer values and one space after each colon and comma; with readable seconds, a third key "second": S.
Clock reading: {"hour": 10, "minute": 10}
